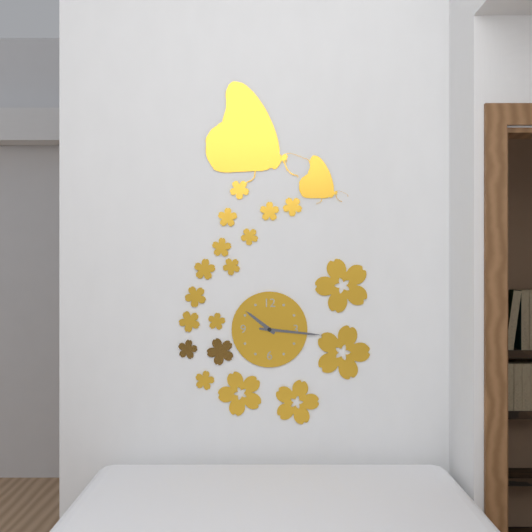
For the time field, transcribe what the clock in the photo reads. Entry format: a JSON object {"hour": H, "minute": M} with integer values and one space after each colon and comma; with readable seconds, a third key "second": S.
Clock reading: {"hour": 10, "minute": 16}
